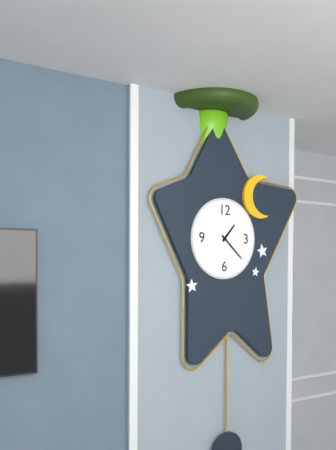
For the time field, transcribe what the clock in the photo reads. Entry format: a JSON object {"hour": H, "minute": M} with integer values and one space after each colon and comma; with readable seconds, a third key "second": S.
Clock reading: {"hour": 1, "minute": 22}
